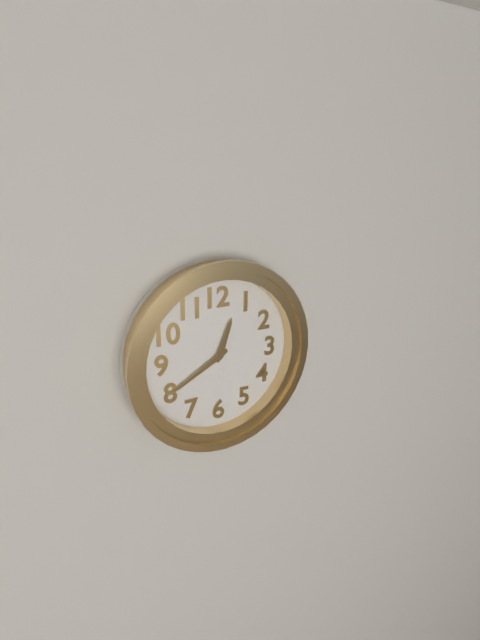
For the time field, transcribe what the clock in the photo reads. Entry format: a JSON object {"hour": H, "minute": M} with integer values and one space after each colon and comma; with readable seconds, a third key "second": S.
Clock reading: {"hour": 12, "minute": 40}
